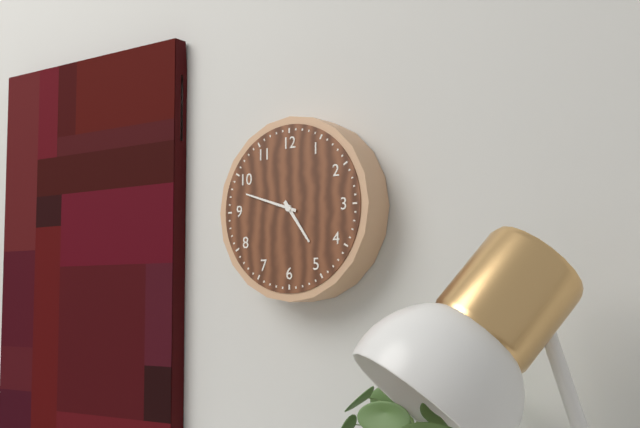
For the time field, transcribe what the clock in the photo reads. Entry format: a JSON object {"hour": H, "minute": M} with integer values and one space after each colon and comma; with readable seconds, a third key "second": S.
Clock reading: {"hour": 4, "minute": 48}
